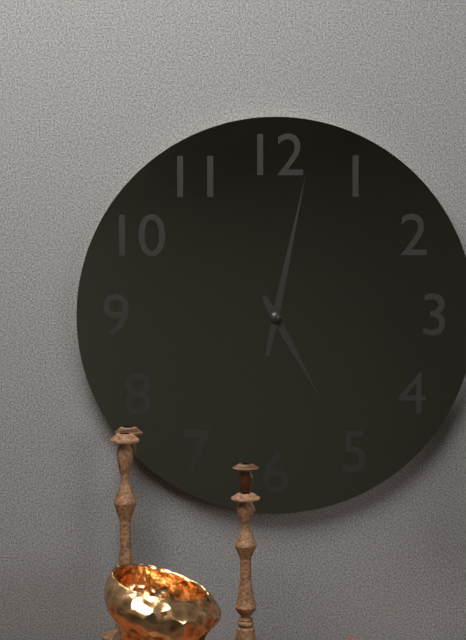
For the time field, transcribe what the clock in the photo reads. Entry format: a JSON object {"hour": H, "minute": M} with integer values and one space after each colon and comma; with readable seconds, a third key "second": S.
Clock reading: {"hour": 5, "minute": 2}
